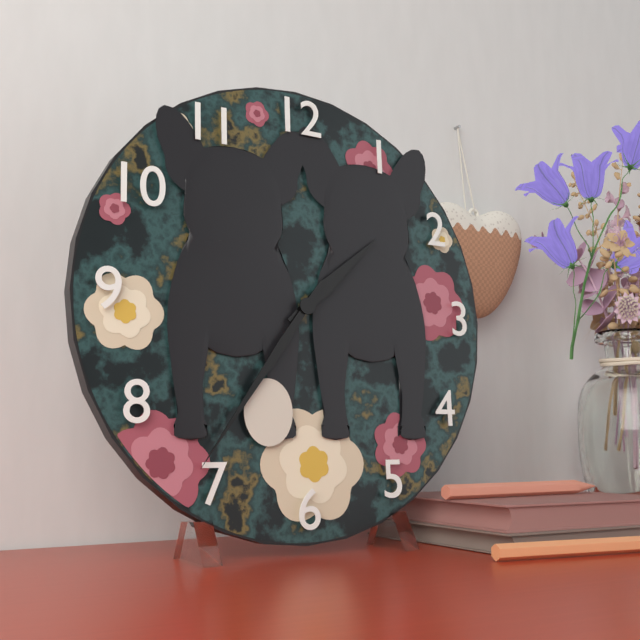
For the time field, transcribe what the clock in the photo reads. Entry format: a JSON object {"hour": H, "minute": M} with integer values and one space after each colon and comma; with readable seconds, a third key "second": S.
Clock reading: {"hour": 1, "minute": 36}
